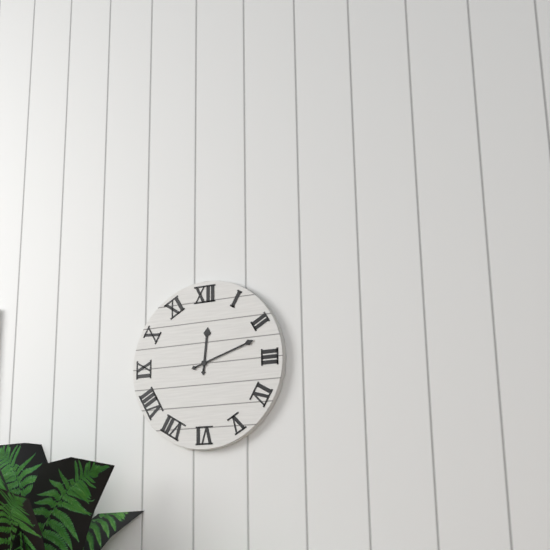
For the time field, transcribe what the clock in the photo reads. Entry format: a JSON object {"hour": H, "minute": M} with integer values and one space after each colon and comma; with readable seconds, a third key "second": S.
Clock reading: {"hour": 12, "minute": 12}
